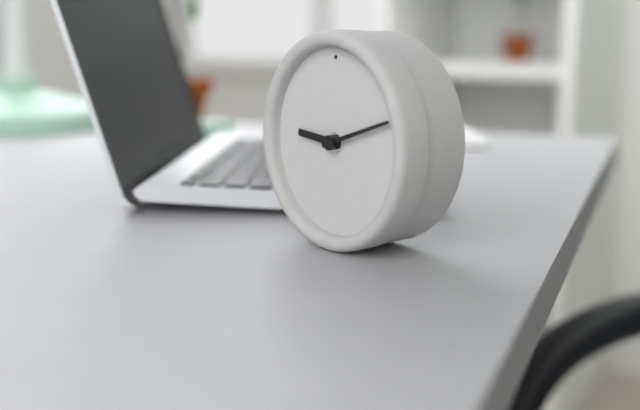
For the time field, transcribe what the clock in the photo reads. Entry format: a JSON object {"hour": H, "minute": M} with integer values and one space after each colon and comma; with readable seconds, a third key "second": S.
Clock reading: {"hour": 9, "minute": 12}
